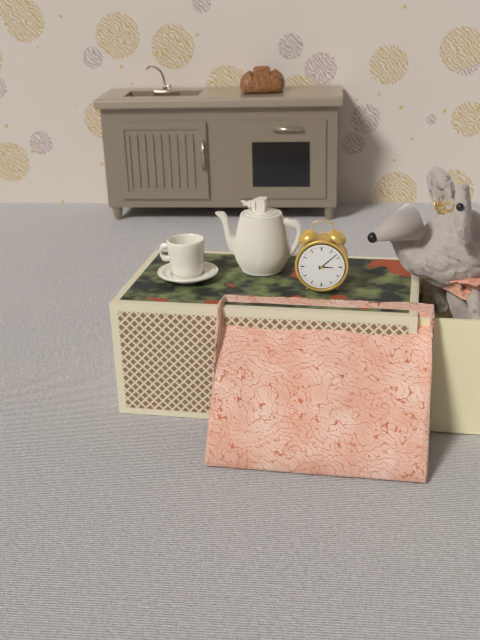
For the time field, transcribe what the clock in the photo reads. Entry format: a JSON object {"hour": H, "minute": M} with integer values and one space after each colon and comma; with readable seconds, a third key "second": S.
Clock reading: {"hour": 3, "minute": 8}
